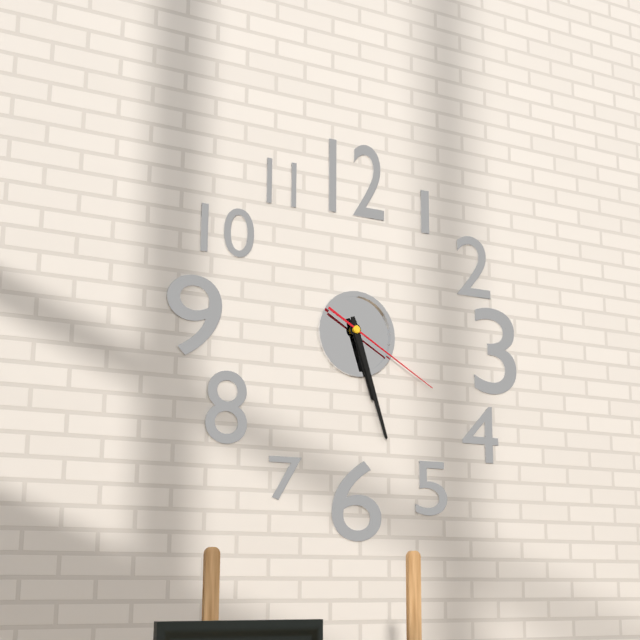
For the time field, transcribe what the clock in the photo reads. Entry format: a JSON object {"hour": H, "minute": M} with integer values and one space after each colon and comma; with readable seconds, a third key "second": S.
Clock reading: {"hour": 5, "minute": 27, "second": 20}
